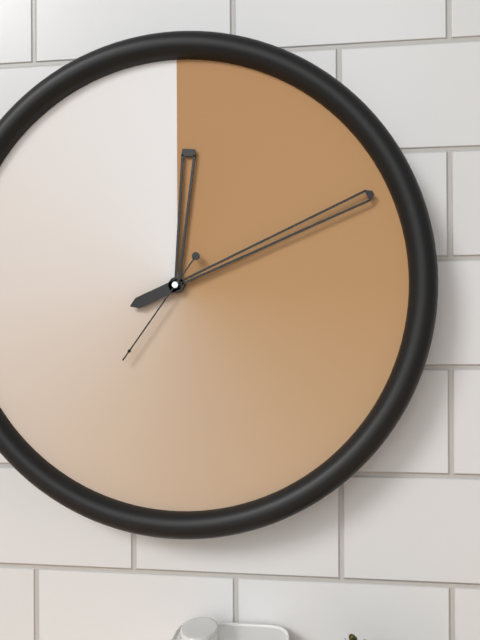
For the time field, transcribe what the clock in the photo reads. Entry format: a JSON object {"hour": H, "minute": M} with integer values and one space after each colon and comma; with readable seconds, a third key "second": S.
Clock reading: {"hour": 12, "minute": 11, "second": 36}
